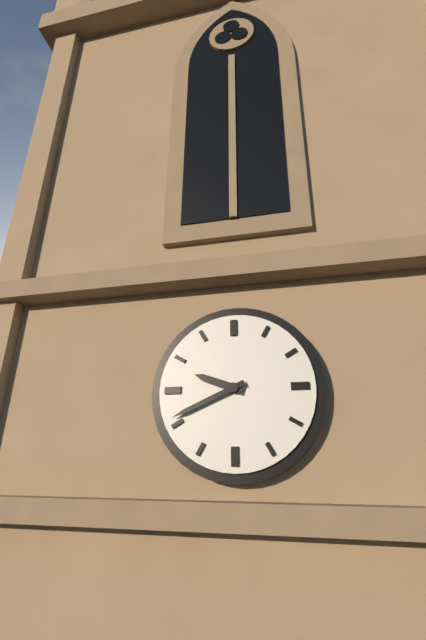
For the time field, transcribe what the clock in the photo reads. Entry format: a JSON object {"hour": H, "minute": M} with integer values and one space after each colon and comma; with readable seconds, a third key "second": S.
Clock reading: {"hour": 9, "minute": 41}
